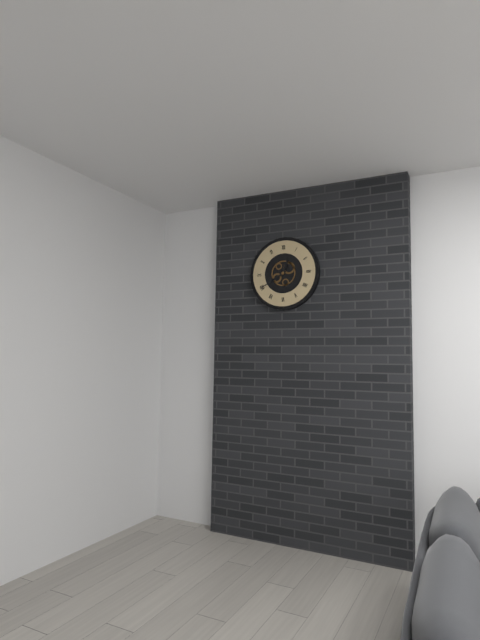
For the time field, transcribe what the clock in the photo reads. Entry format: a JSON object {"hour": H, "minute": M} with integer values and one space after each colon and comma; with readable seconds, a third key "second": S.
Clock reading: {"hour": 12, "minute": 40}
